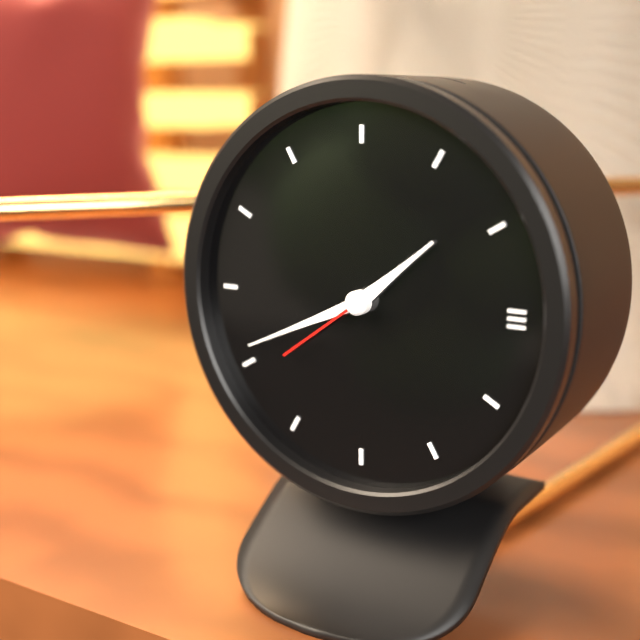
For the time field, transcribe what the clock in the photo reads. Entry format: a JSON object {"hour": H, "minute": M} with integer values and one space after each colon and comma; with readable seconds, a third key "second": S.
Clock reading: {"hour": 1, "minute": 41, "second": 39}
